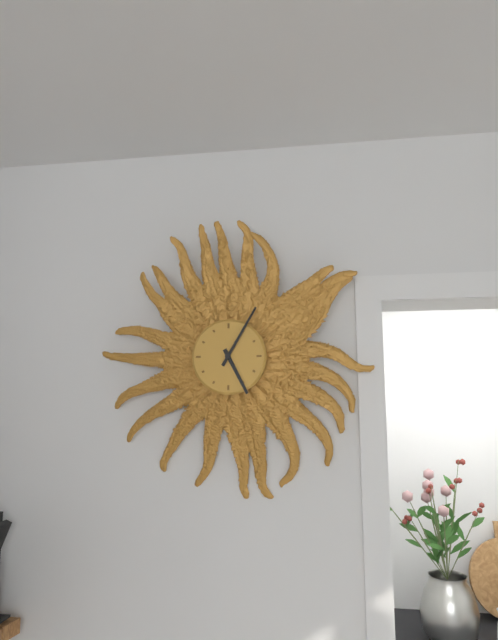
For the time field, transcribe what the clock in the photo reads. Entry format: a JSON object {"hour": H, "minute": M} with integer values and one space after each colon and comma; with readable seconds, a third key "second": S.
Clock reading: {"hour": 5, "minute": 5}
